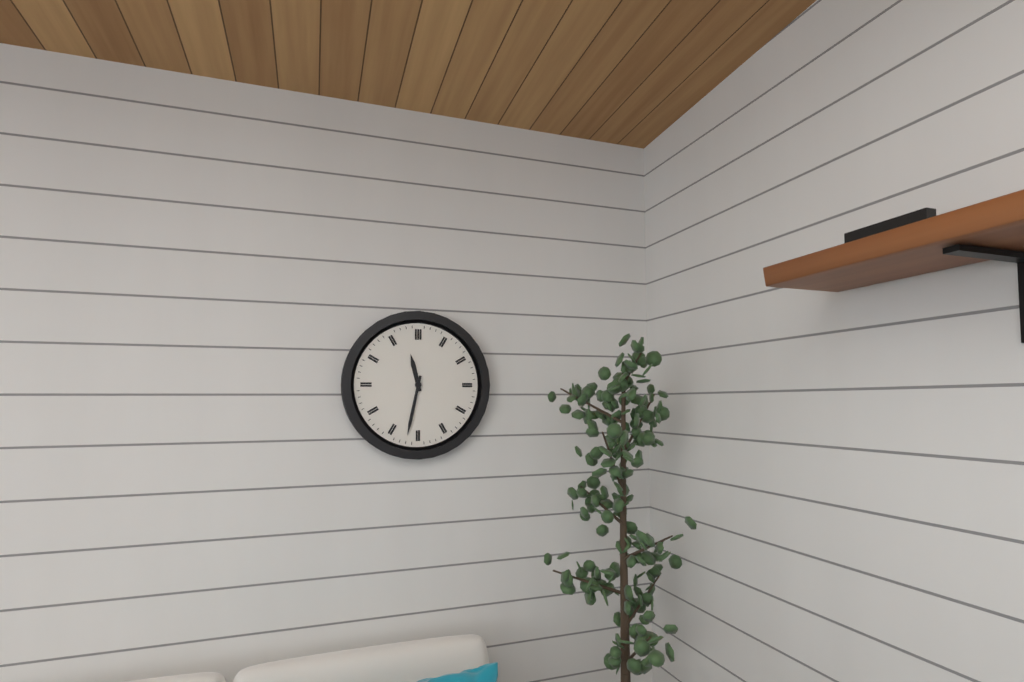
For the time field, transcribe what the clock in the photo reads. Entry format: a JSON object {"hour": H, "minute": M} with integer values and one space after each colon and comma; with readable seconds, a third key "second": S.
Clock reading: {"hour": 11, "minute": 32}
